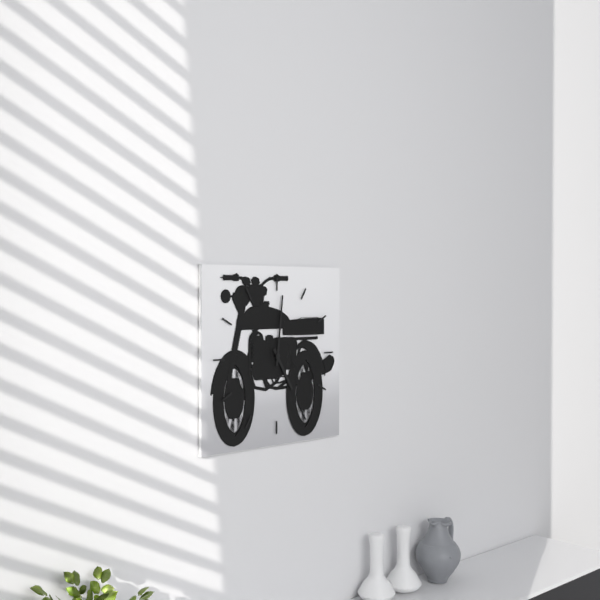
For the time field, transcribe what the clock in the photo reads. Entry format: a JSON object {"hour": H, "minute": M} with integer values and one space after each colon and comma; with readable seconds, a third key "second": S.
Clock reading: {"hour": 5, "minute": 1}
